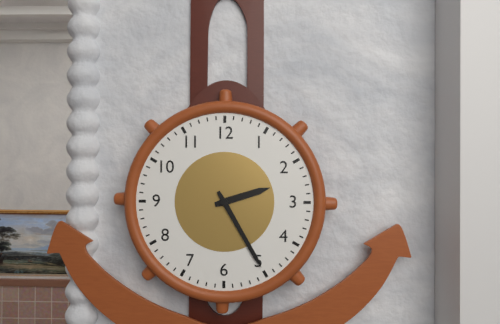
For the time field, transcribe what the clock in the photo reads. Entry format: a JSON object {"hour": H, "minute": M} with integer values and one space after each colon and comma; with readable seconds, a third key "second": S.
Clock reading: {"hour": 2, "minute": 25}
